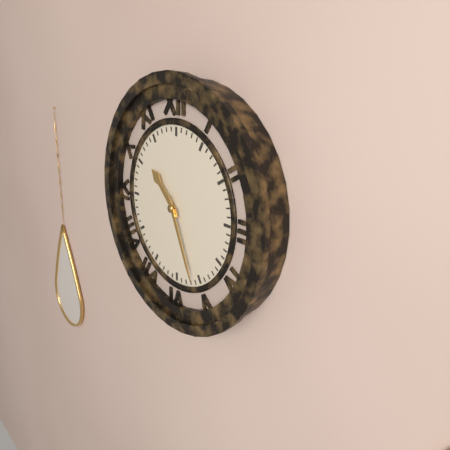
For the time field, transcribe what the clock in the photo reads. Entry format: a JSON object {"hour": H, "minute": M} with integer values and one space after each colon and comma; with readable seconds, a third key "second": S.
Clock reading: {"hour": 10, "minute": 26}
